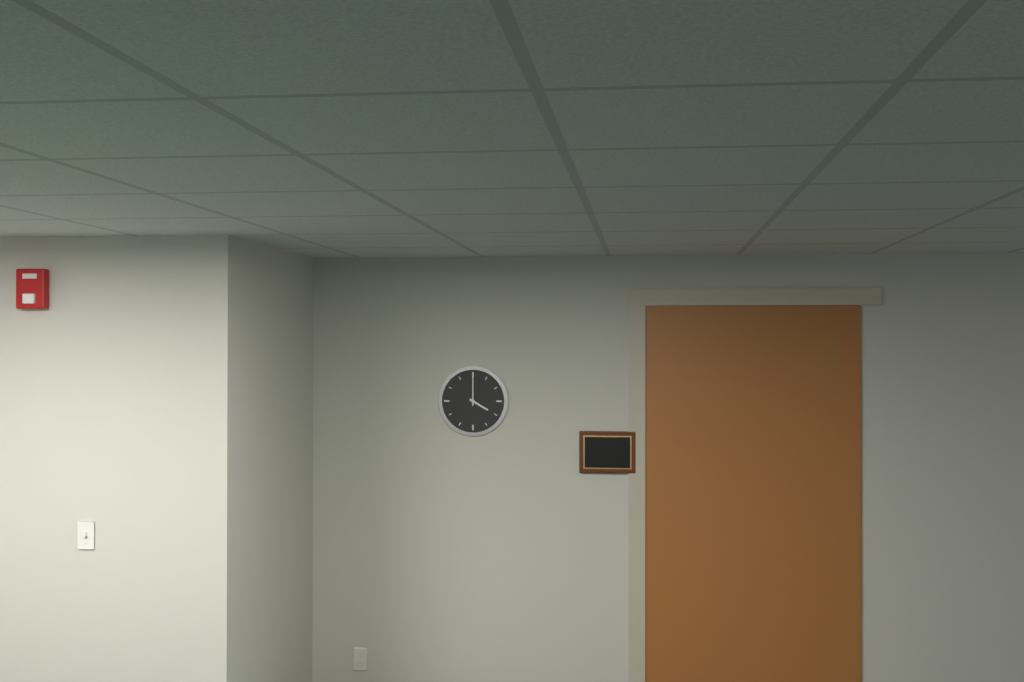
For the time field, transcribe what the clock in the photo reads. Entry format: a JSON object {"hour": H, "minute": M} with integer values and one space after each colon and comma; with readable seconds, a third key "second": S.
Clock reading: {"hour": 4, "minute": 0}
